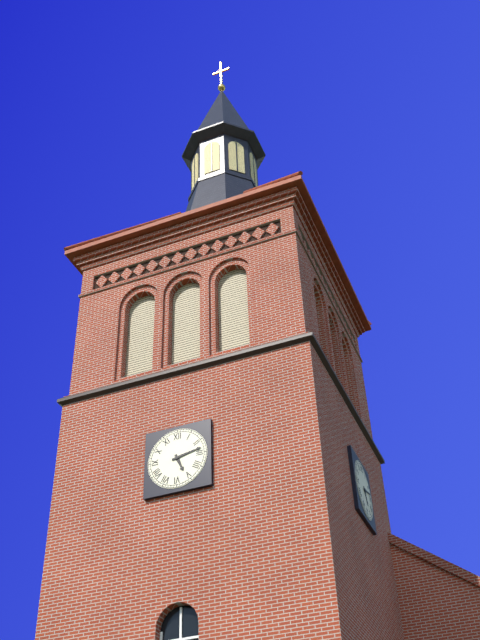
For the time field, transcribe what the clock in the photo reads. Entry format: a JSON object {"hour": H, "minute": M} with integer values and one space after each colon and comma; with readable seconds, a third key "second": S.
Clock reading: {"hour": 5, "minute": 13}
